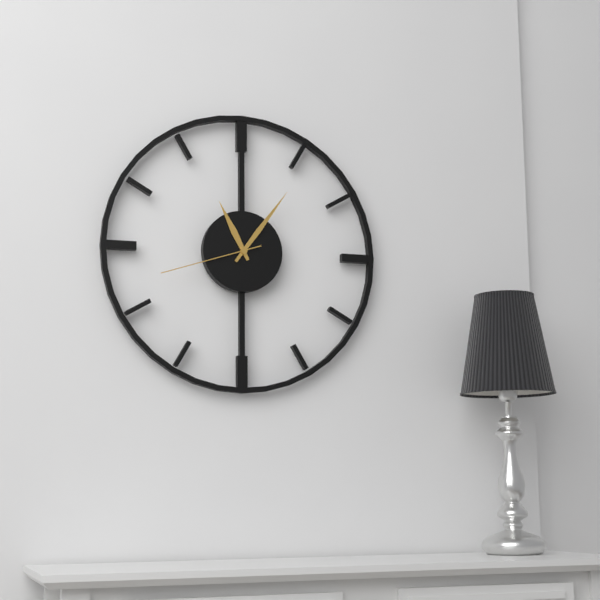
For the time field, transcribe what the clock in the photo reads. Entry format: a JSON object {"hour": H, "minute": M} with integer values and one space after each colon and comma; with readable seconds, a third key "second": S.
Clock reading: {"hour": 11, "minute": 6, "second": 42}
